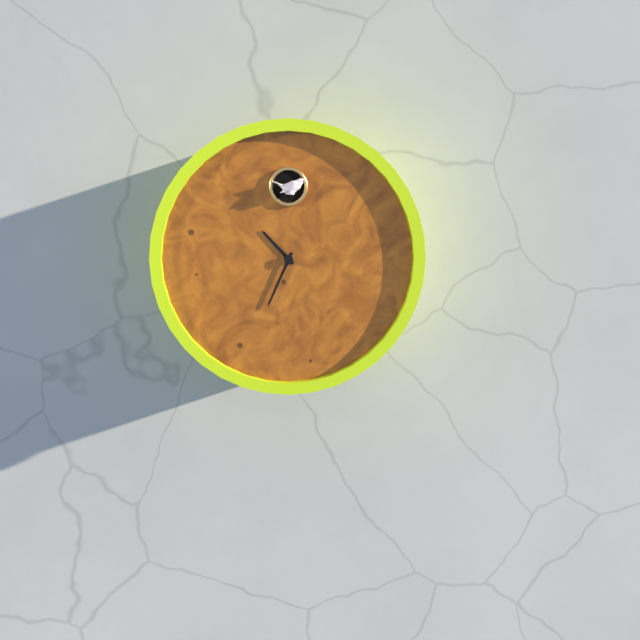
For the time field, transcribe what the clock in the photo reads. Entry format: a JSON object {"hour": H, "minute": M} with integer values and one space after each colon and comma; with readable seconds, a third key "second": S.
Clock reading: {"hour": 10, "minute": 34}
